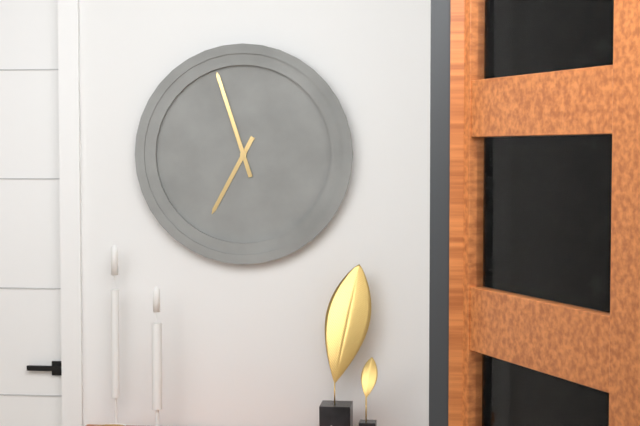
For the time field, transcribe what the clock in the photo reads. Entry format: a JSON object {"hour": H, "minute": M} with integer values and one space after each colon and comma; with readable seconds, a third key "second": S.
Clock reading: {"hour": 6, "minute": 57}
